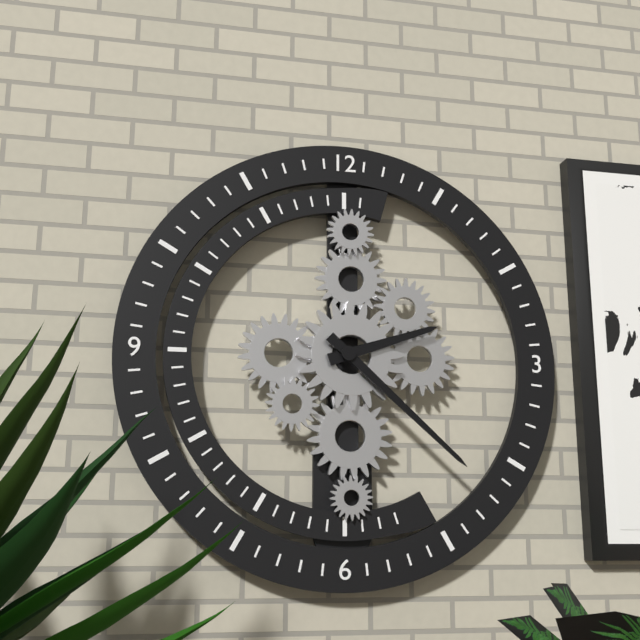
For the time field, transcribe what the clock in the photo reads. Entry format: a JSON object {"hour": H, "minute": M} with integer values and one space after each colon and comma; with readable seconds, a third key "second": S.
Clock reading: {"hour": 2, "minute": 22}
